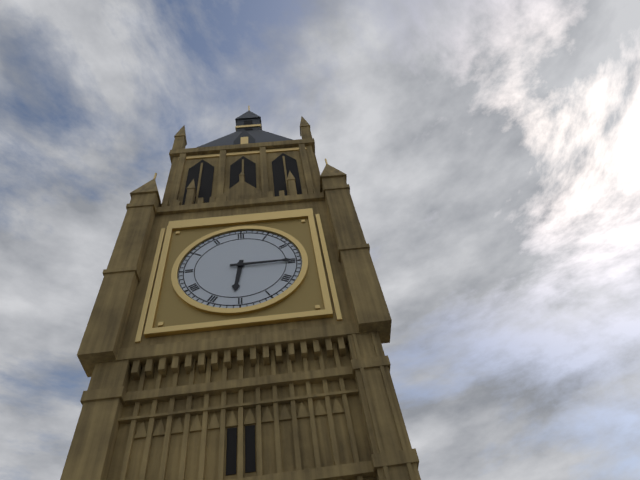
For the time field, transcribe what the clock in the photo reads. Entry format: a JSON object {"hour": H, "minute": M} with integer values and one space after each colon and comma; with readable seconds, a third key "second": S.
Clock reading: {"hour": 6, "minute": 15}
